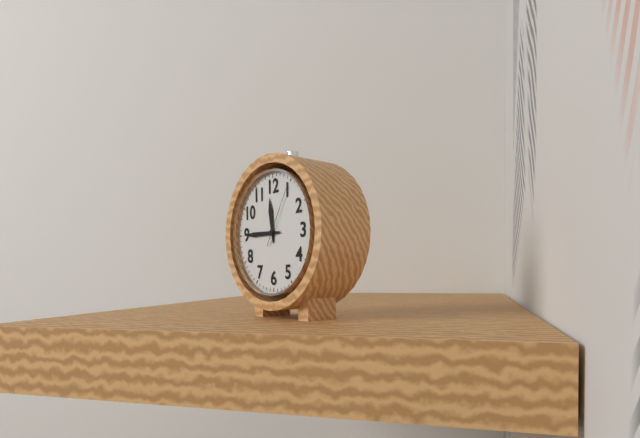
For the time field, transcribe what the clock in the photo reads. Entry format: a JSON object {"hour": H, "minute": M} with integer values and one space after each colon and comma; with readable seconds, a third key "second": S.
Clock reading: {"hour": 11, "minute": 45, "second": 5}
